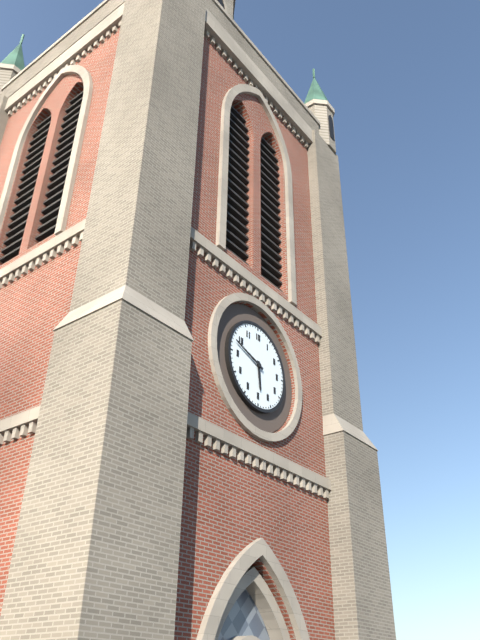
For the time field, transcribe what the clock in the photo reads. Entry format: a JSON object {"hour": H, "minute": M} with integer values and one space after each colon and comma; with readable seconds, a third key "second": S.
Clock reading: {"hour": 5, "minute": 48}
